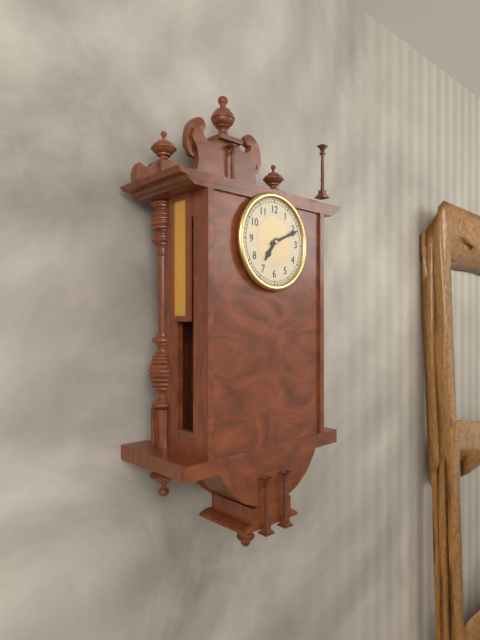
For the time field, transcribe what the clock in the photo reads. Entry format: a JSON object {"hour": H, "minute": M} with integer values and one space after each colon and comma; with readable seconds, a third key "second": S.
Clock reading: {"hour": 7, "minute": 11}
